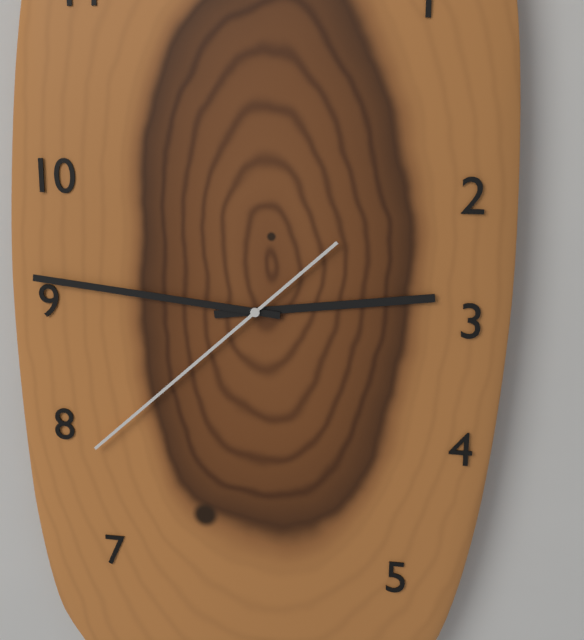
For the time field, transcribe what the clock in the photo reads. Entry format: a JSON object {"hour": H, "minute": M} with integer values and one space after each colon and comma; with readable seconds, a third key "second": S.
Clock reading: {"hour": 2, "minute": 46, "second": 38}
